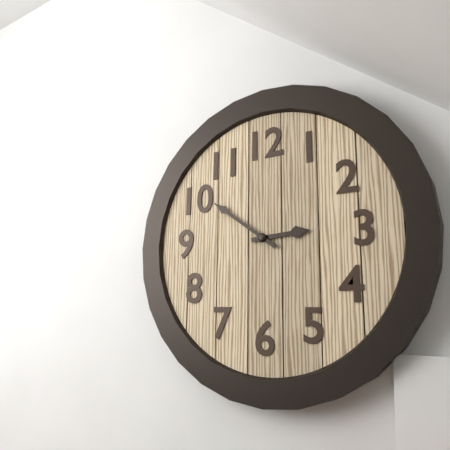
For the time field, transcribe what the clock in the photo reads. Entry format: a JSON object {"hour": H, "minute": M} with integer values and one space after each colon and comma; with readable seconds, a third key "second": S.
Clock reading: {"hour": 2, "minute": 51}
